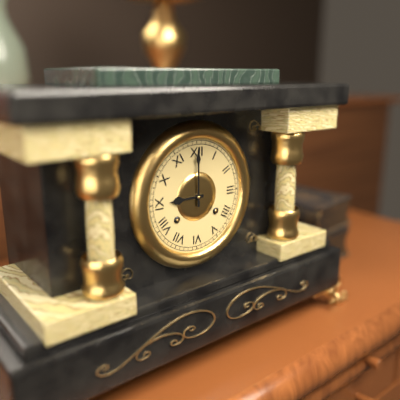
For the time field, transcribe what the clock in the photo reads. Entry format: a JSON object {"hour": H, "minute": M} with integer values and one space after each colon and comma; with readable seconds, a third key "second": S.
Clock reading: {"hour": 9, "minute": 0}
